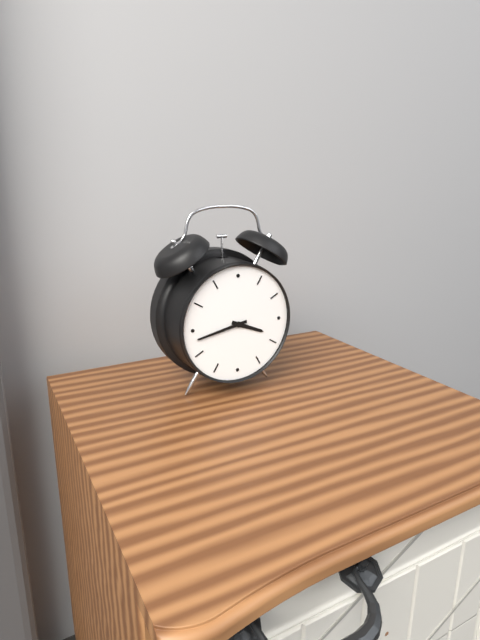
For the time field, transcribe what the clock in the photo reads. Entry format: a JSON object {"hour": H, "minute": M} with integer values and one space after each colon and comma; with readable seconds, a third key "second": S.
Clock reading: {"hour": 3, "minute": 43}
